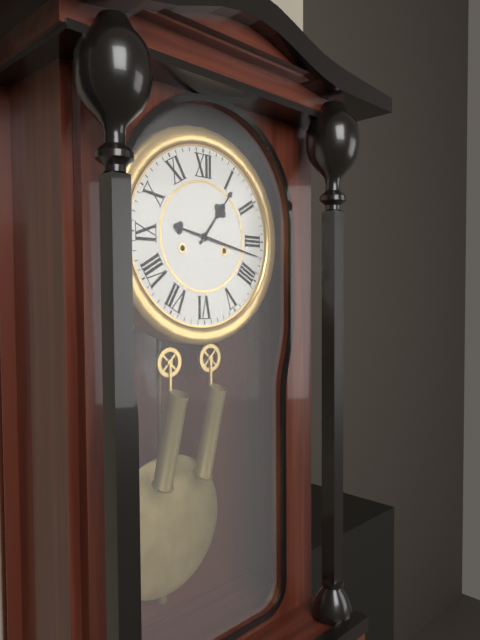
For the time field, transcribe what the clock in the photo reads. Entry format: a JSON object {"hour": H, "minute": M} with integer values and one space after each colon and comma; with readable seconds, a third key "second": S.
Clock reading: {"hour": 1, "minute": 17}
